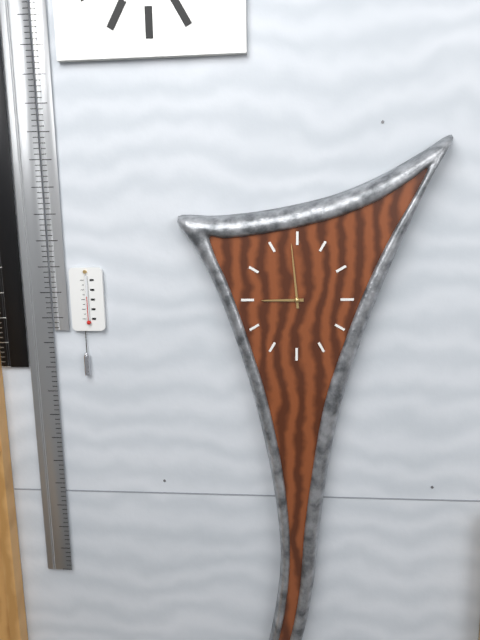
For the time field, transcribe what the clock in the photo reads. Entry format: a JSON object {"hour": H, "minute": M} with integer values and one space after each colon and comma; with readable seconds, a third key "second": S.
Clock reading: {"hour": 8, "minute": 59}
